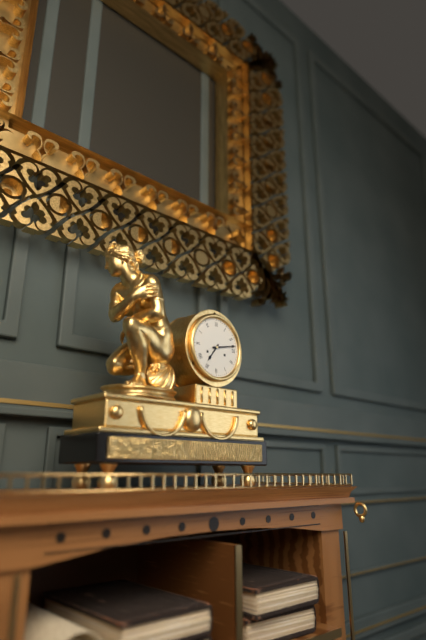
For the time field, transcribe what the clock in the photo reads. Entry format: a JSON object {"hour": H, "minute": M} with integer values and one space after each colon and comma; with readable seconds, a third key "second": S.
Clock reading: {"hour": 7, "minute": 13}
